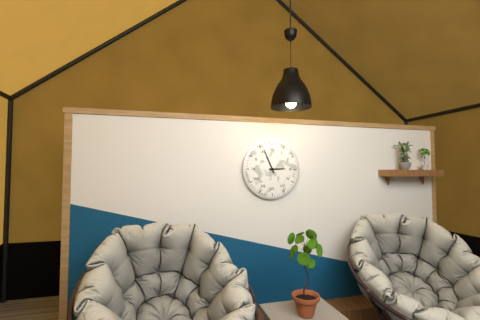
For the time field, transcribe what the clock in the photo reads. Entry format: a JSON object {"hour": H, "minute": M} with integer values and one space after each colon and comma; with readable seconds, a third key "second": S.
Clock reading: {"hour": 2, "minute": 56}
